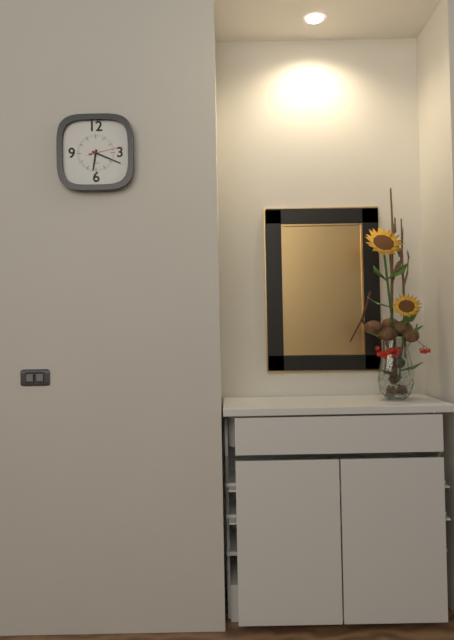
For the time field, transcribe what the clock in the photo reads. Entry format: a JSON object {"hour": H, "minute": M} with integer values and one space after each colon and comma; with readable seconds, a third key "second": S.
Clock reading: {"hour": 6, "minute": 19}
